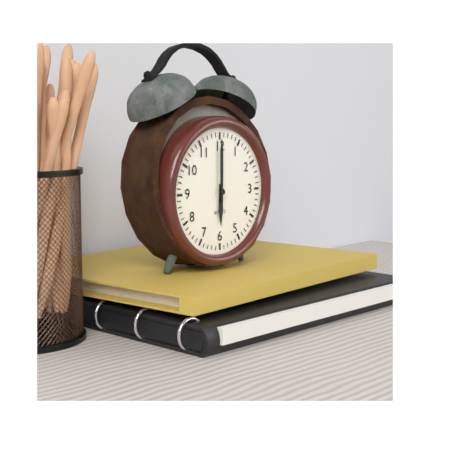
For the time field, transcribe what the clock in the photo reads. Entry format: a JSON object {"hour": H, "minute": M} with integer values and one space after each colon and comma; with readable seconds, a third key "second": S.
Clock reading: {"hour": 6, "minute": 0}
